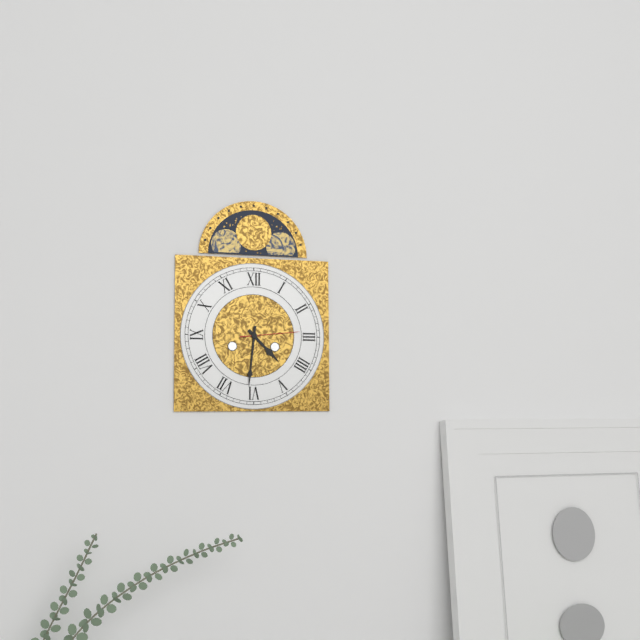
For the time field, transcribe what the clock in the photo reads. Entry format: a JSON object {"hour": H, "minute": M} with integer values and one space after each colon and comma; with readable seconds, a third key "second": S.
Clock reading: {"hour": 4, "minute": 31, "second": 14}
